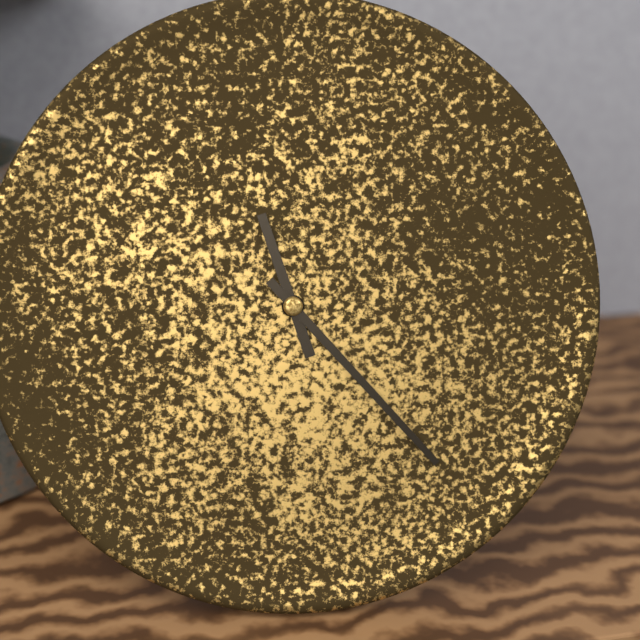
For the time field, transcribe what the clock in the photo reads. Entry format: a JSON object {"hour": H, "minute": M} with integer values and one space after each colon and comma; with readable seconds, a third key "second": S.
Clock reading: {"hour": 11, "minute": 23}
